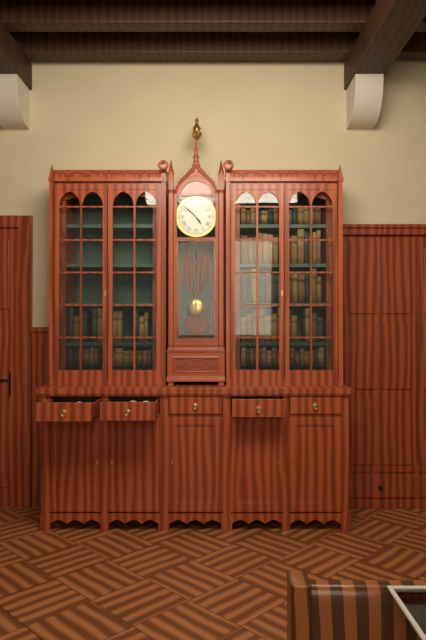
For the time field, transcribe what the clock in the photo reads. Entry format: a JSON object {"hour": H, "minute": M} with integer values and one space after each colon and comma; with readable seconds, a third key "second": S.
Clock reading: {"hour": 4, "minute": 52}
